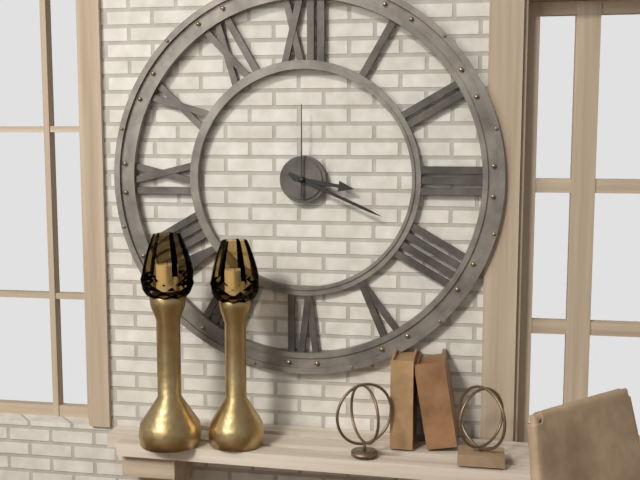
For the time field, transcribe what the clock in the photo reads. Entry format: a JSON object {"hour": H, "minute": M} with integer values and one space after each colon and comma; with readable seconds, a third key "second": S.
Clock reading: {"hour": 3, "minute": 19, "second": 0}
